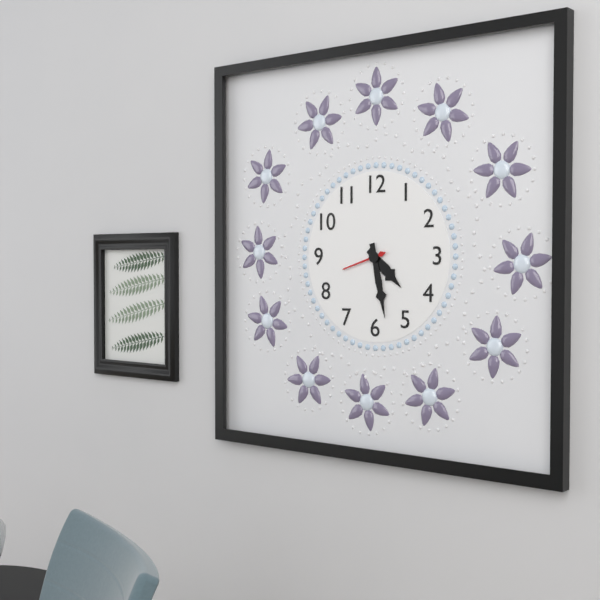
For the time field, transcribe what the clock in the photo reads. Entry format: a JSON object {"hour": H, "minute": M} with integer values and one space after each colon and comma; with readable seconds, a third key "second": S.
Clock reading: {"hour": 4, "minute": 28}
